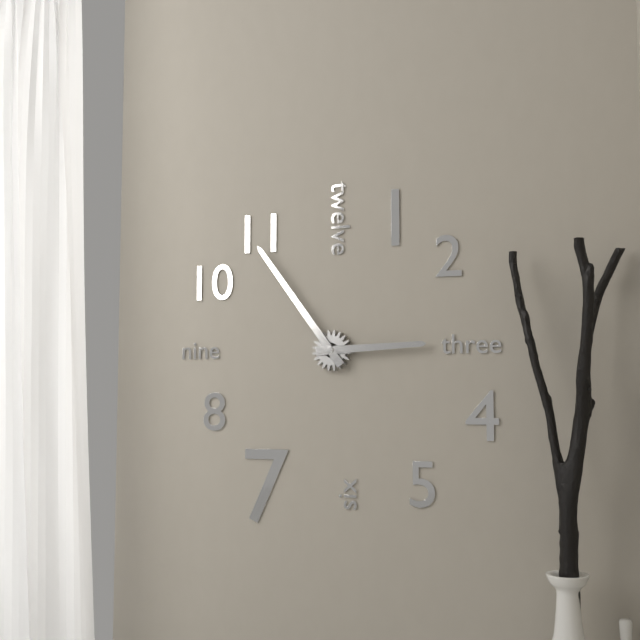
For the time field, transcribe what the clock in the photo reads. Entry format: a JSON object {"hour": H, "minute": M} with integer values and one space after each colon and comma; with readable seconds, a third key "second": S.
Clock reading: {"hour": 2, "minute": 54}
